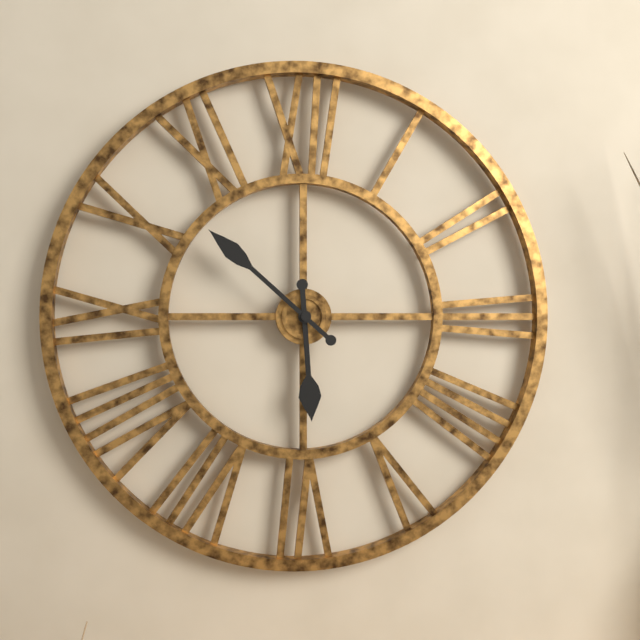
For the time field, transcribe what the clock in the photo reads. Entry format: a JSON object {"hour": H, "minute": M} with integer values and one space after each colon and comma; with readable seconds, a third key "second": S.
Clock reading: {"hour": 5, "minute": 52}
